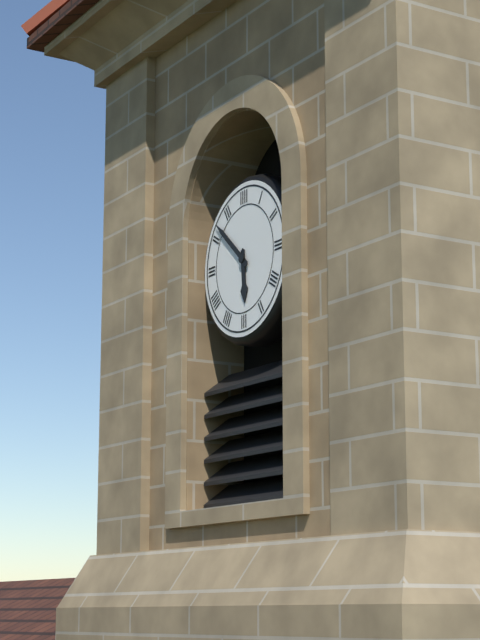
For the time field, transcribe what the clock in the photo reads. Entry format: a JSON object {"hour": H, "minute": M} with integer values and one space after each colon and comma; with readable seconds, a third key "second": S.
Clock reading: {"hour": 5, "minute": 52}
